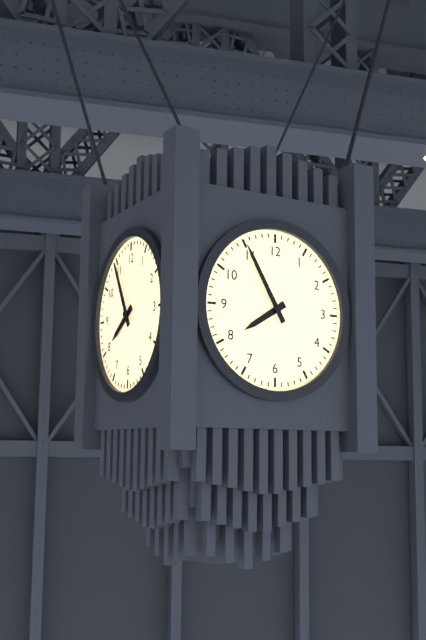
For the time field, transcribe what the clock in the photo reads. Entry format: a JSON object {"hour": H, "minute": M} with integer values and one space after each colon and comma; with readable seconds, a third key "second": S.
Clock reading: {"hour": 7, "minute": 55}
